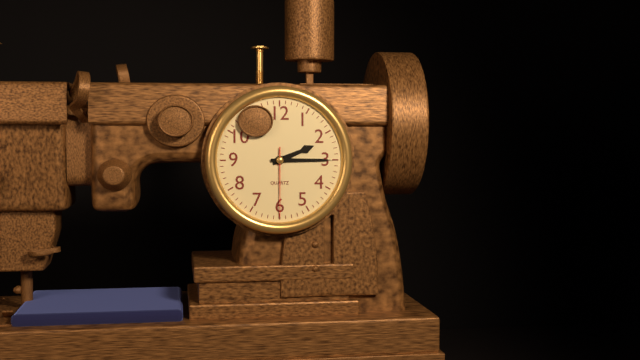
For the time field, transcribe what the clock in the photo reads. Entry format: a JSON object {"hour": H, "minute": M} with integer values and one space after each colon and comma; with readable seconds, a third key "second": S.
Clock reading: {"hour": 2, "minute": 15, "second": 30}
